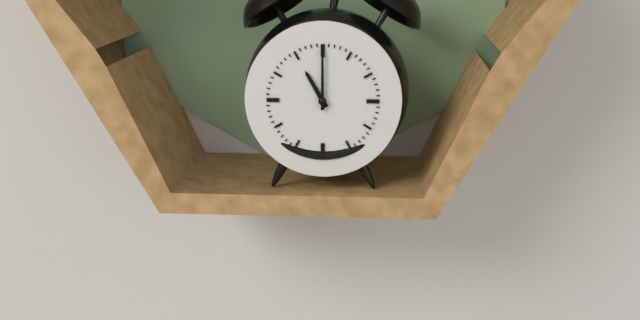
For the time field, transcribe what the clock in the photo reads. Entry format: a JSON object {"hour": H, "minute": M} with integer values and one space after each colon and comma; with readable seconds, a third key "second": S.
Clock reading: {"hour": 11, "minute": 0}
